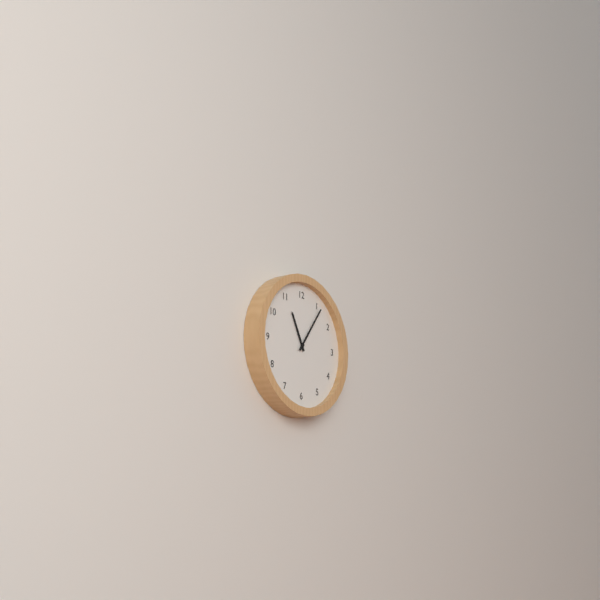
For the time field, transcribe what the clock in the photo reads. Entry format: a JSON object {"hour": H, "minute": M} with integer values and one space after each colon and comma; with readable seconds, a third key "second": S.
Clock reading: {"hour": 11, "minute": 6}
